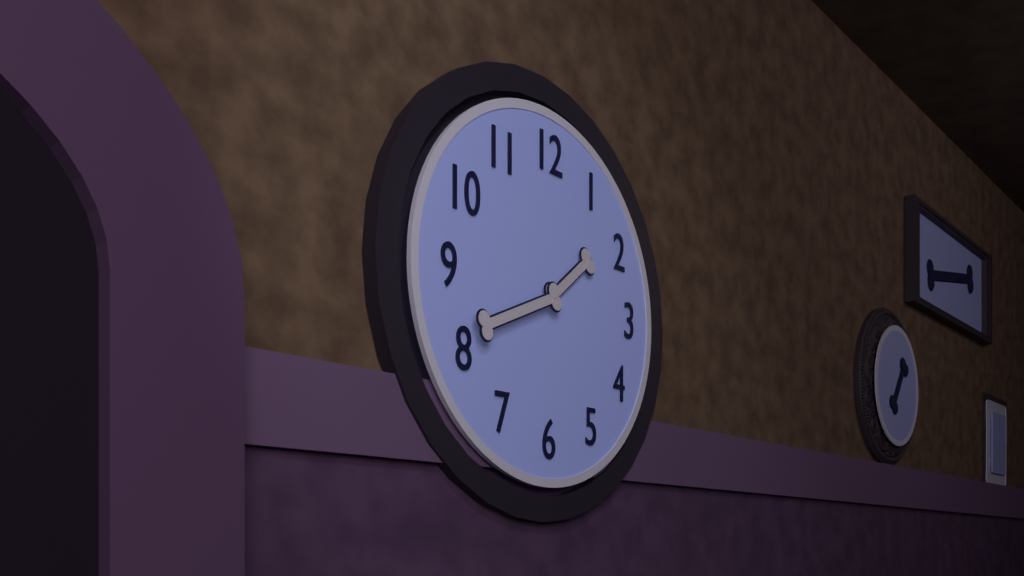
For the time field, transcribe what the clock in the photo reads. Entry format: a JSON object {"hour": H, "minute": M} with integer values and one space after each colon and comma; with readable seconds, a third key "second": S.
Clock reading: {"hour": 1, "minute": 41}
